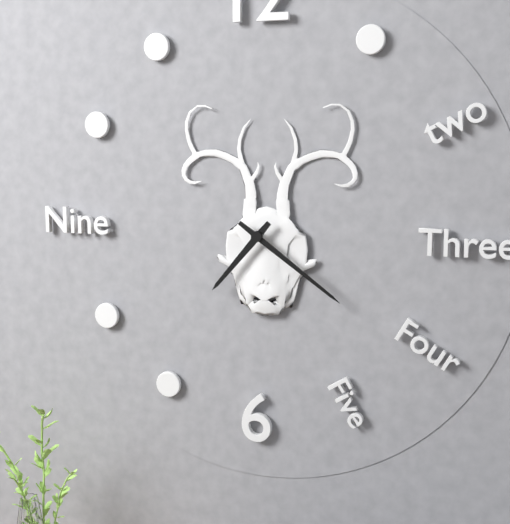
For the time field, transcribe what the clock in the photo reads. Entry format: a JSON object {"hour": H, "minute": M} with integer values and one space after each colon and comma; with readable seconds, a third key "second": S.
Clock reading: {"hour": 7, "minute": 21}
